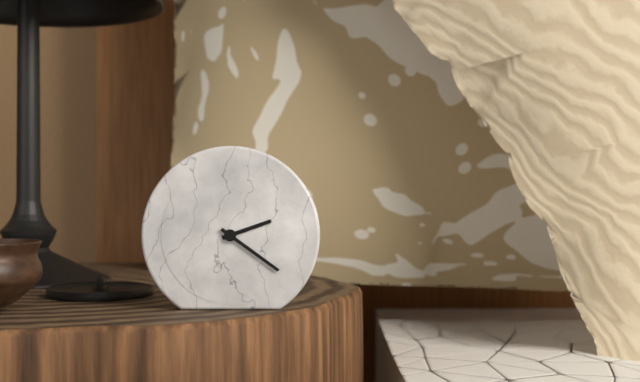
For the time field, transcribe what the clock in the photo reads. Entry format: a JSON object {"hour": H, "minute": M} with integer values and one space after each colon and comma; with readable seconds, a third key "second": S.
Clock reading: {"hour": 2, "minute": 21}
